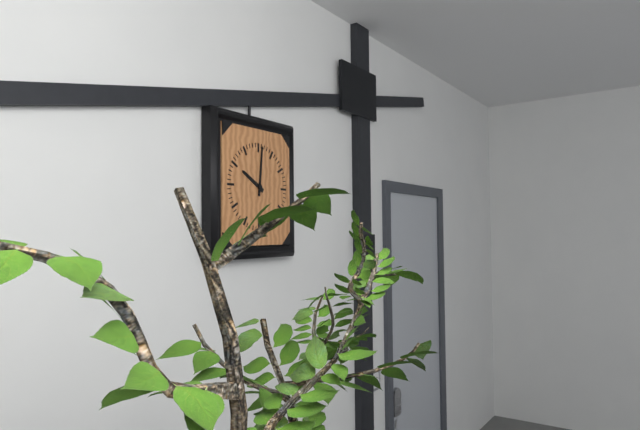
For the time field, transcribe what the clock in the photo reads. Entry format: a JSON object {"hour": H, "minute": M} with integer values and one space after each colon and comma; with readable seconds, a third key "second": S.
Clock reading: {"hour": 10, "minute": 1}
